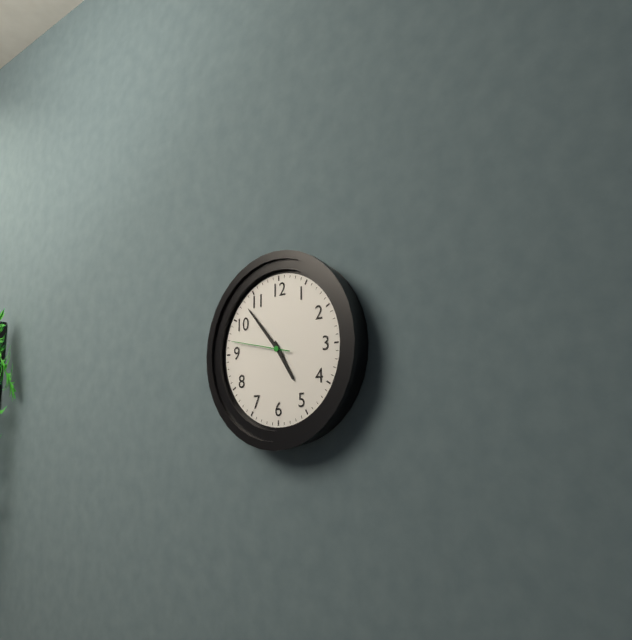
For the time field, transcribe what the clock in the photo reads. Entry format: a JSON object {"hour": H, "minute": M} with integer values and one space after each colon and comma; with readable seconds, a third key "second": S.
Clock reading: {"hour": 4, "minute": 53, "second": 47}
